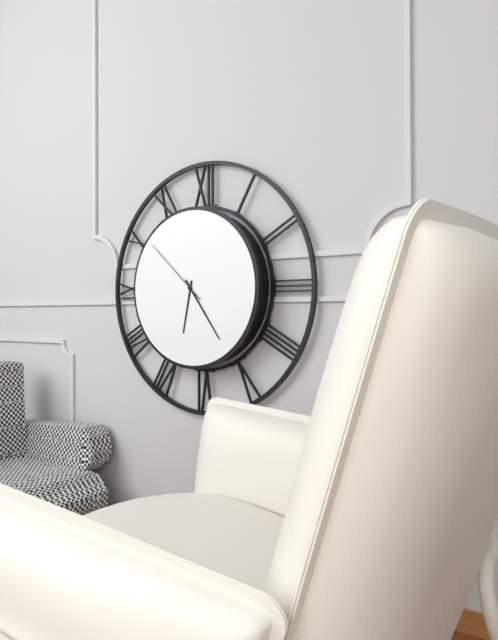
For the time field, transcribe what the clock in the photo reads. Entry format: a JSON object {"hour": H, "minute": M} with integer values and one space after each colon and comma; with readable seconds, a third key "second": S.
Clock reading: {"hour": 6, "minute": 24, "second": 52}
